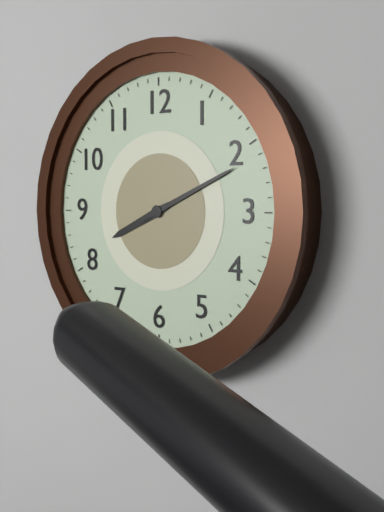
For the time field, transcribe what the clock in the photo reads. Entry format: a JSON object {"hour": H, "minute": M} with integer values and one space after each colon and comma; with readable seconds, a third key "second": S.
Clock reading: {"hour": 8, "minute": 11}
